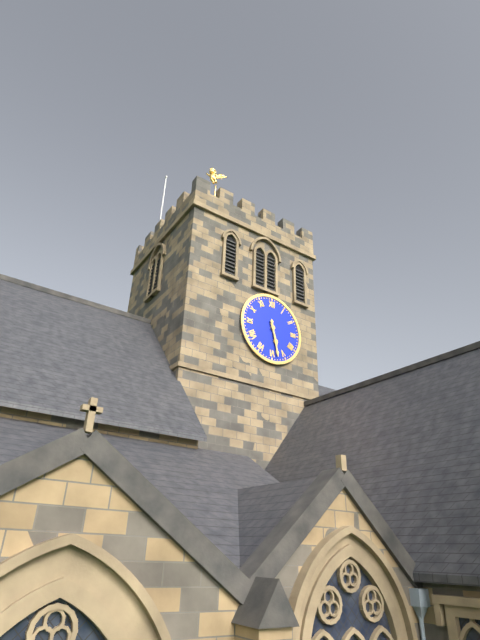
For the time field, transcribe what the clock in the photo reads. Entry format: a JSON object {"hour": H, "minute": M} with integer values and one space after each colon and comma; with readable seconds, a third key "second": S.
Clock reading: {"hour": 5, "minute": 28}
